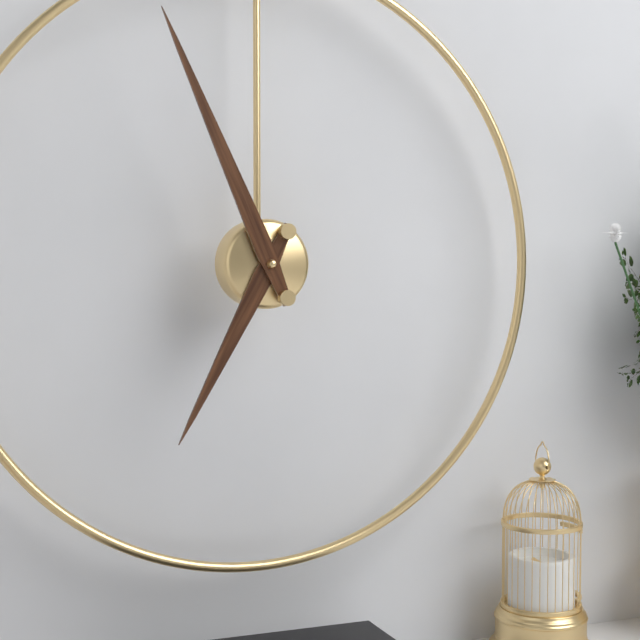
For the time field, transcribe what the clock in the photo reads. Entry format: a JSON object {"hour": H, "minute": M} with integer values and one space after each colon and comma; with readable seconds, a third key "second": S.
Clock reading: {"hour": 6, "minute": 56}
